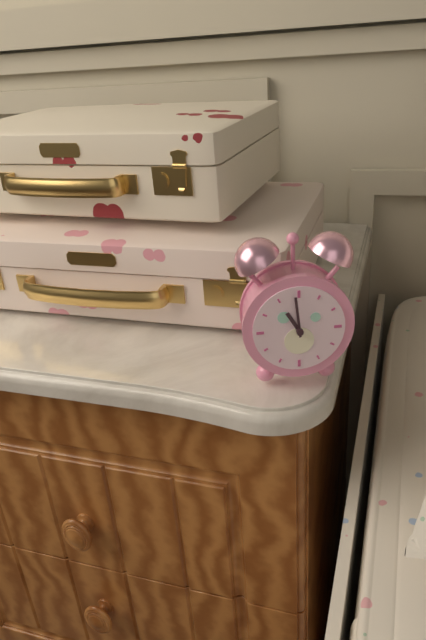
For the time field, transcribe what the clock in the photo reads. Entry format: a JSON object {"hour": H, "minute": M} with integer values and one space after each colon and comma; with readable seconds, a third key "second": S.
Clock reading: {"hour": 10, "minute": 59}
